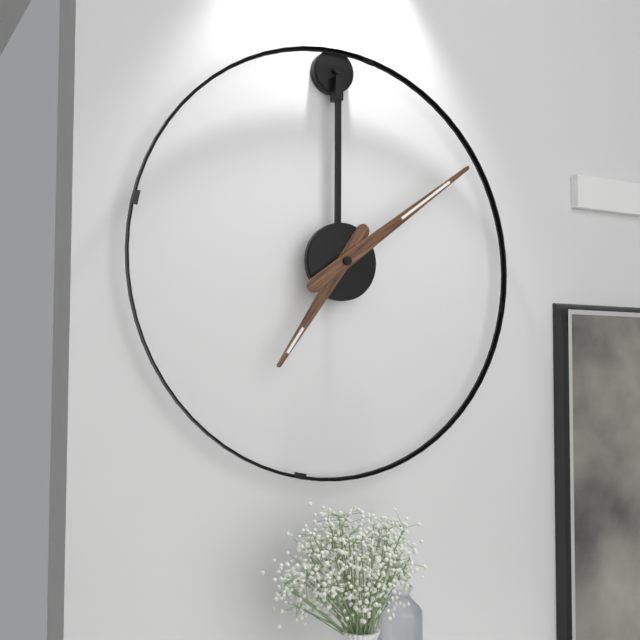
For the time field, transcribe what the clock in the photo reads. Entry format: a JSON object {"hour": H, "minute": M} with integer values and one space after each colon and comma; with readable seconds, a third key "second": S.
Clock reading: {"hour": 7, "minute": 9}
